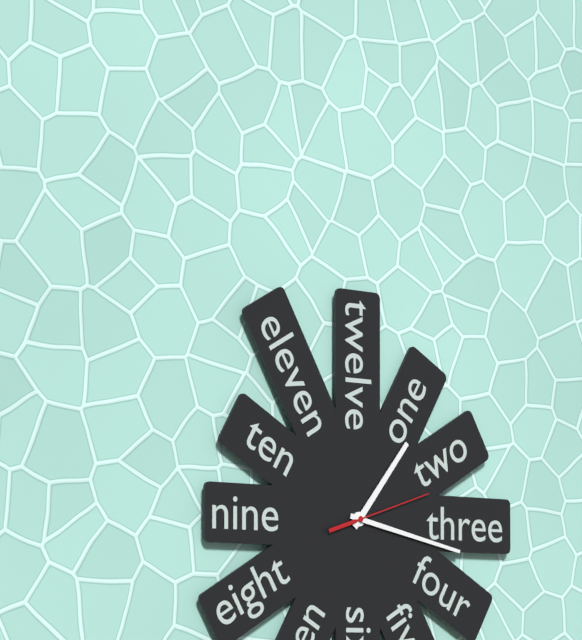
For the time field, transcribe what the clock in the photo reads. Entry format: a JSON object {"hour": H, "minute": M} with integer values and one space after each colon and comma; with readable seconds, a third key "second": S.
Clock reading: {"hour": 1, "minute": 17, "second": 12}
